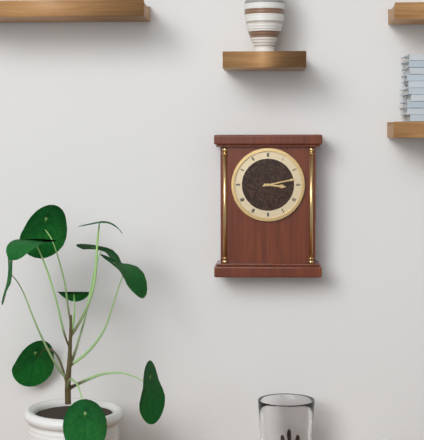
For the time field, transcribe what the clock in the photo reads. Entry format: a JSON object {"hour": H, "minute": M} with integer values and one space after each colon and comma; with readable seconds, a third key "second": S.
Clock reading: {"hour": 3, "minute": 13}
